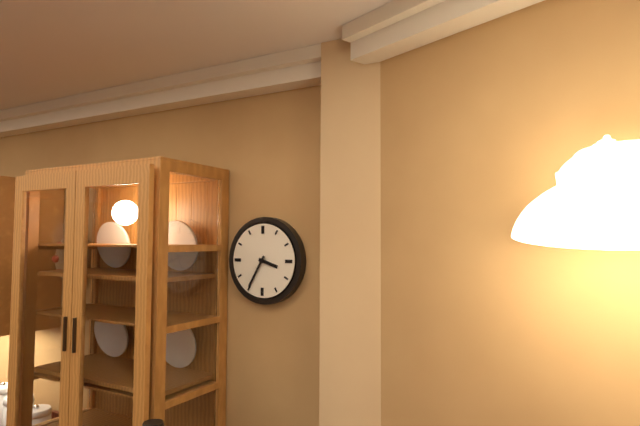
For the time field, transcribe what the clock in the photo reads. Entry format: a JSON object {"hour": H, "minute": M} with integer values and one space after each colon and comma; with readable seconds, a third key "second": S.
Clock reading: {"hour": 3, "minute": 35}
